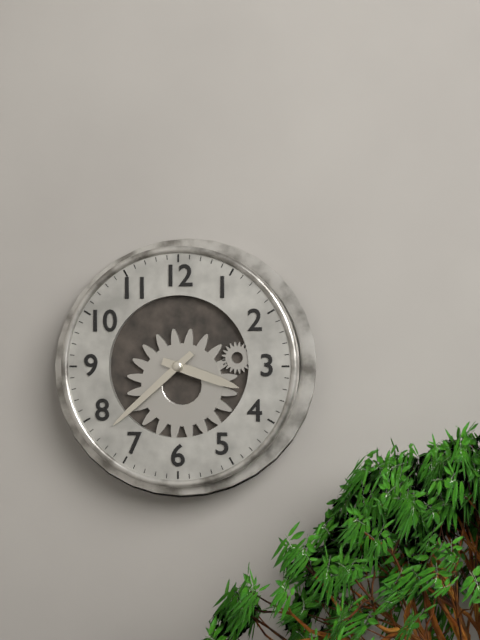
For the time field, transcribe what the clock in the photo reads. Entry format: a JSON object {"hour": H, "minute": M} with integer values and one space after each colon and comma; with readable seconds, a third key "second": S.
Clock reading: {"hour": 3, "minute": 38}
